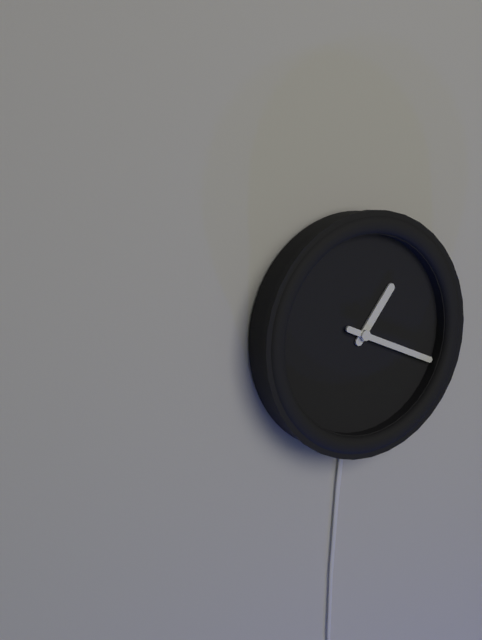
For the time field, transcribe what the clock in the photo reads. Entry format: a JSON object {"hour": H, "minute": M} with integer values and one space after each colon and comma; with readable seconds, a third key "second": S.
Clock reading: {"hour": 1, "minute": 19}
